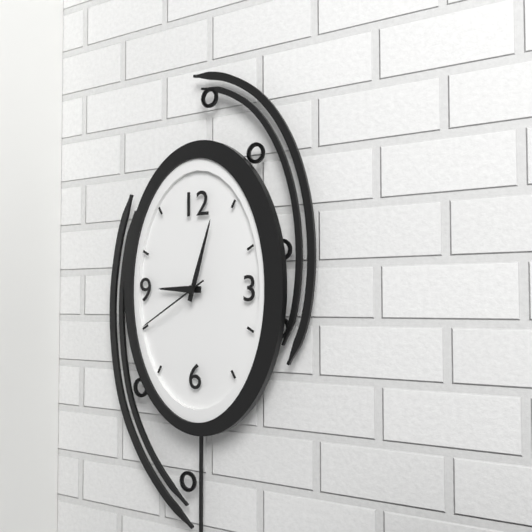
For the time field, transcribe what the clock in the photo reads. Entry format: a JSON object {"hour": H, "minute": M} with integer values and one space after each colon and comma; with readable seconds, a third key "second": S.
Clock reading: {"hour": 9, "minute": 3, "second": 40}
